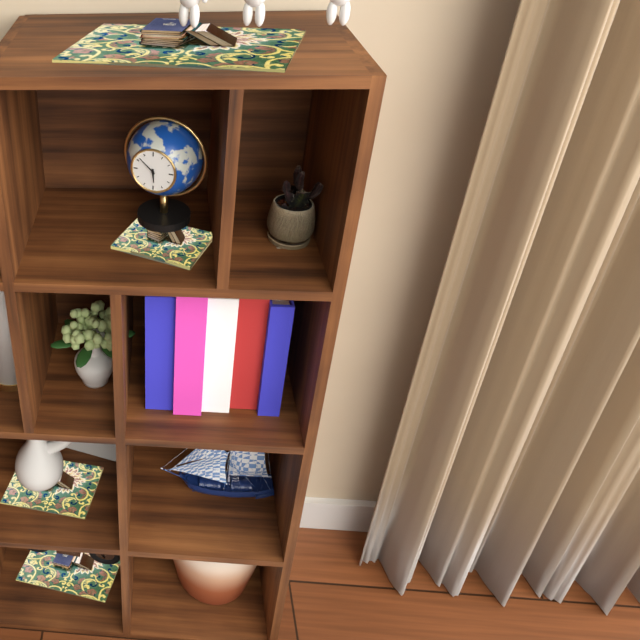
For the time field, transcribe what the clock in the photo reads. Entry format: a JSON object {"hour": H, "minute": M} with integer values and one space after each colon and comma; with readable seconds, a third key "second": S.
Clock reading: {"hour": 5, "minute": 52}
